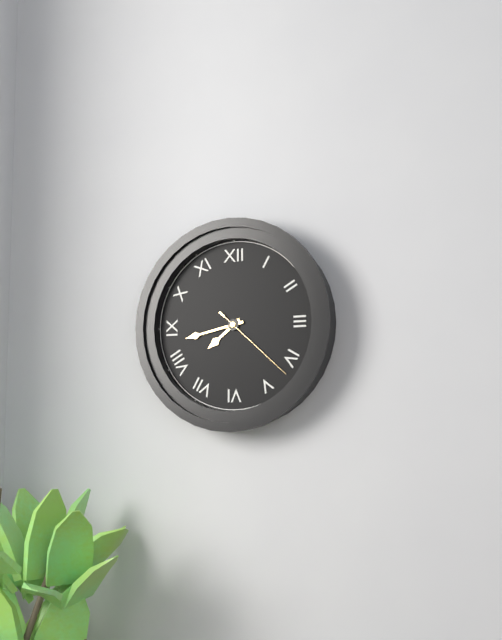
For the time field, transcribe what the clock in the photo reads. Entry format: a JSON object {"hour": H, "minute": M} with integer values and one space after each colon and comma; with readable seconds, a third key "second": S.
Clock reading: {"hour": 7, "minute": 43, "second": 22}
